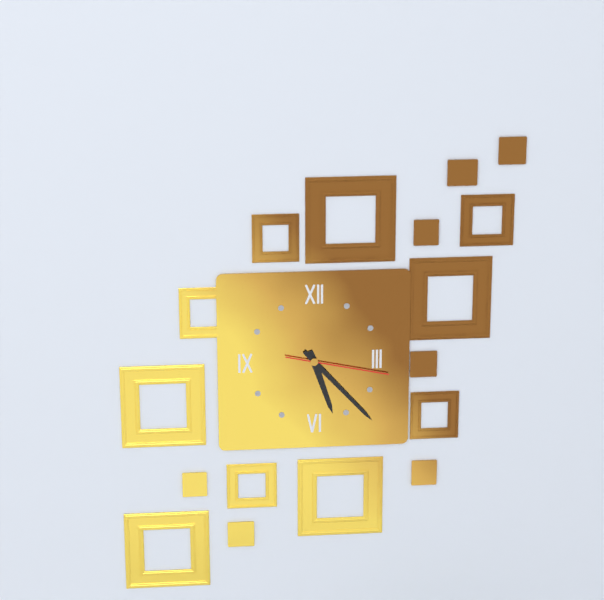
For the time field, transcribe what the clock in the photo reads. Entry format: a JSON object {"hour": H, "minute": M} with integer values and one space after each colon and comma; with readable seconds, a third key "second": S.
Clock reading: {"hour": 5, "minute": 23, "second": 17}
